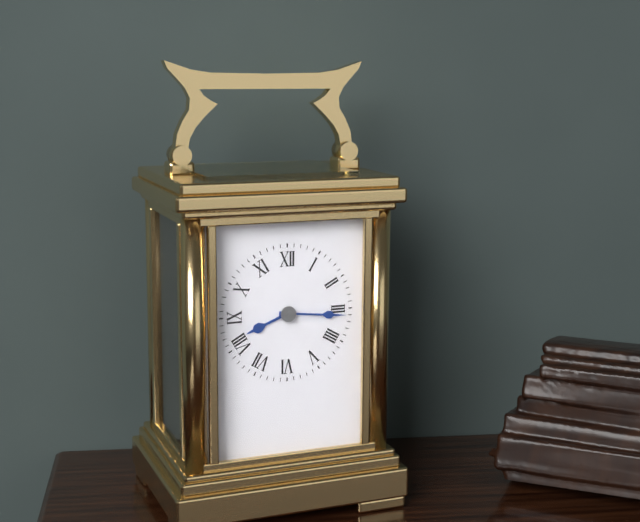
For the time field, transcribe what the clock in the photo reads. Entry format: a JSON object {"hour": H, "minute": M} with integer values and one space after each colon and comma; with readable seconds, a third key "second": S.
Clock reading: {"hour": 8, "minute": 16}
